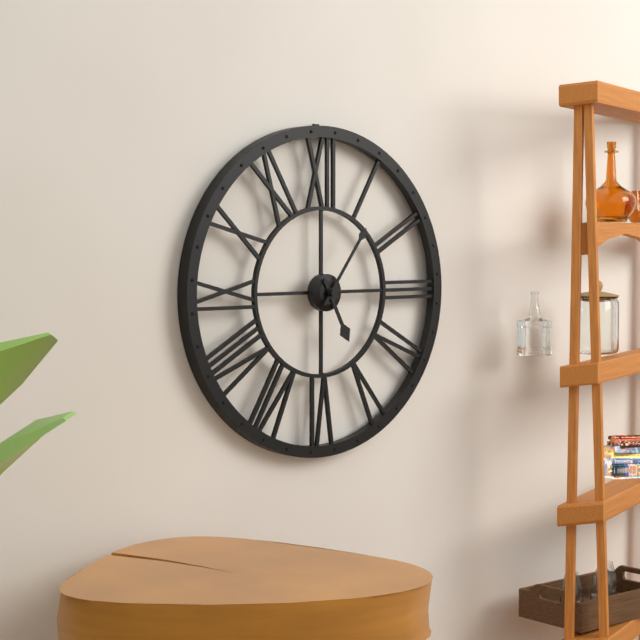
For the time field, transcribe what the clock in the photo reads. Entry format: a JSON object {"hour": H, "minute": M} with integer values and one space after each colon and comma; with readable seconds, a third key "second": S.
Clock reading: {"hour": 5, "minute": 6}
